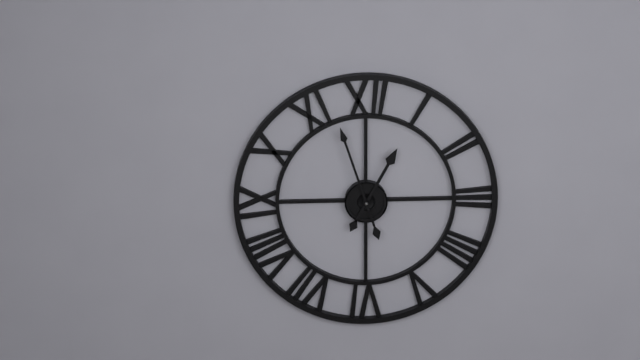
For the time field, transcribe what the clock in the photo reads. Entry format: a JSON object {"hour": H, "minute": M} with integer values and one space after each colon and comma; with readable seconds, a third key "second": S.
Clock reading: {"hour": 12, "minute": 57}
